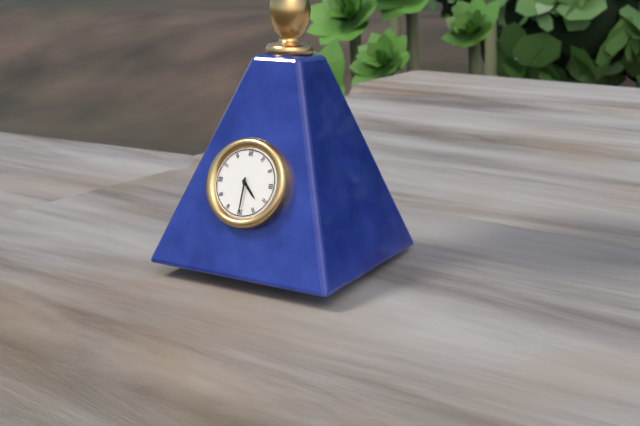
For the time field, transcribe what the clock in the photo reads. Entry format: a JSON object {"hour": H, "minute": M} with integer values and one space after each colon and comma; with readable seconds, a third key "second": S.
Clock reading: {"hour": 4, "minute": 30}
